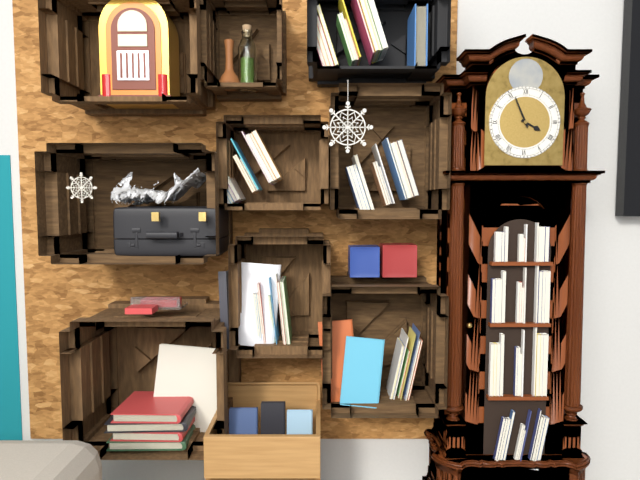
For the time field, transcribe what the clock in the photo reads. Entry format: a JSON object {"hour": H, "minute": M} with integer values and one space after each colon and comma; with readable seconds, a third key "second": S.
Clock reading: {"hour": 3, "minute": 56}
